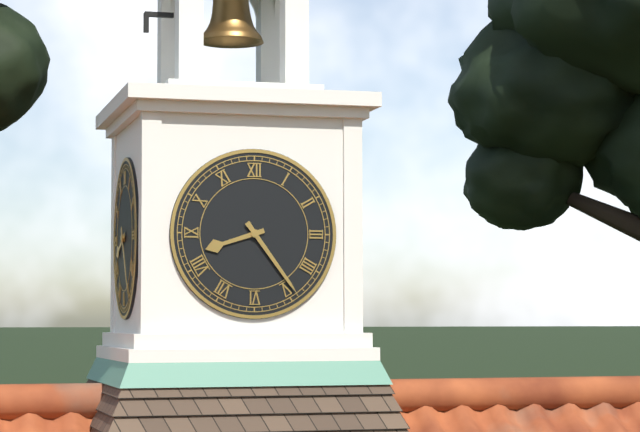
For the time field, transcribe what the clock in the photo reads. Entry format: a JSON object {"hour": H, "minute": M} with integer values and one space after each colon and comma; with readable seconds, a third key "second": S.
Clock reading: {"hour": 8, "minute": 24}
